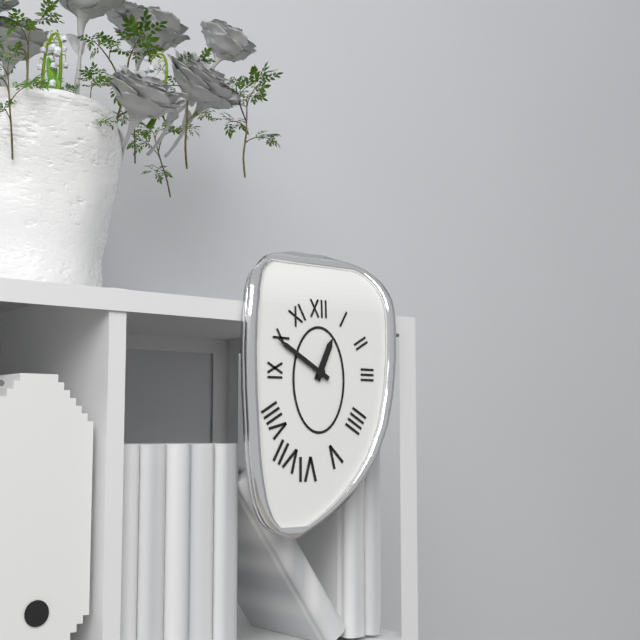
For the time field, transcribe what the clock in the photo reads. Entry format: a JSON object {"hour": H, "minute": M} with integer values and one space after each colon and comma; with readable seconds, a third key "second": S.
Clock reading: {"hour": 12, "minute": 50}
